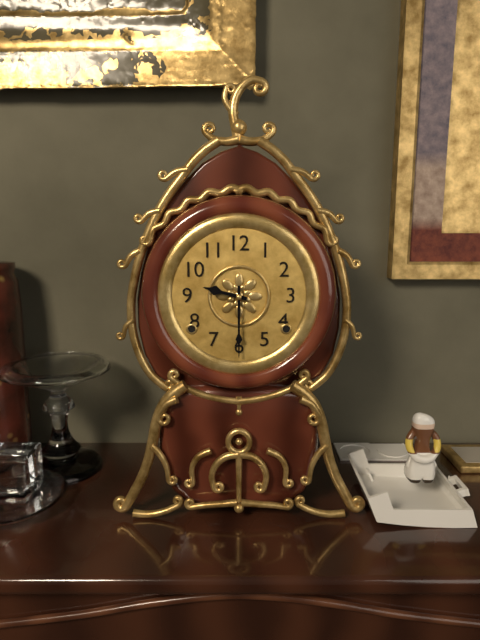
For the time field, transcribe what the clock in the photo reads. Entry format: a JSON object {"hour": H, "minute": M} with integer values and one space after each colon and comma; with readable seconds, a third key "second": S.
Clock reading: {"hour": 9, "minute": 30}
